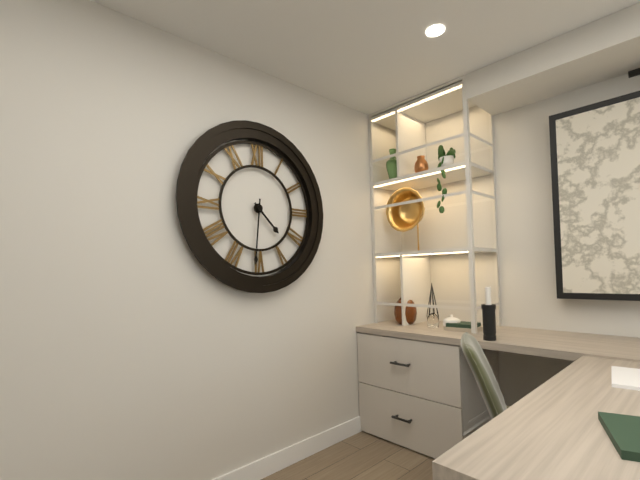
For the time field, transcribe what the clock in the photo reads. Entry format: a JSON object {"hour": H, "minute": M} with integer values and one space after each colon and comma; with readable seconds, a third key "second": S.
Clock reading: {"hour": 4, "minute": 31}
